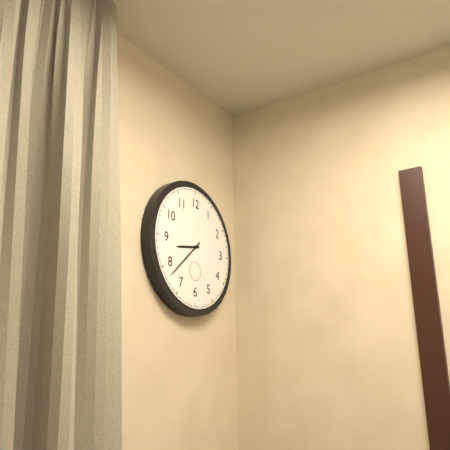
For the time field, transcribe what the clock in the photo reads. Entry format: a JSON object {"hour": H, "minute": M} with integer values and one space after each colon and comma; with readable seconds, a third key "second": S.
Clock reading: {"hour": 8, "minute": 38}
